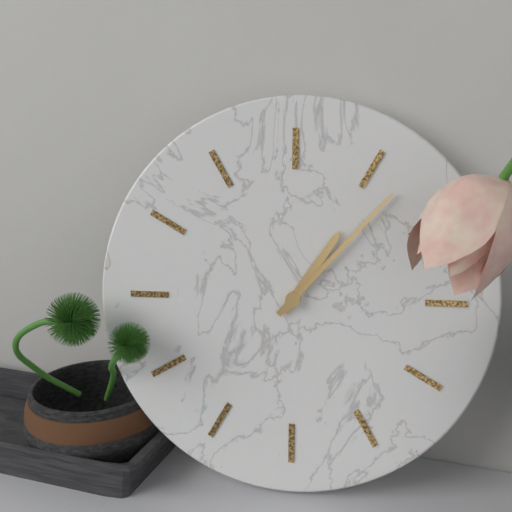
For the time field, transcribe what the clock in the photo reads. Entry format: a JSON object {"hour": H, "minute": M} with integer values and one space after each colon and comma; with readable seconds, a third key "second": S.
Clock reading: {"hour": 1, "minute": 7}
